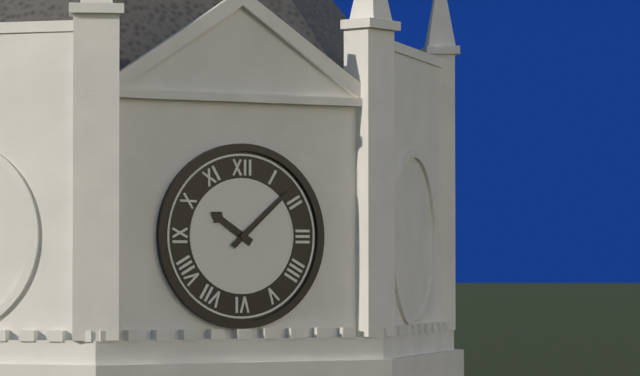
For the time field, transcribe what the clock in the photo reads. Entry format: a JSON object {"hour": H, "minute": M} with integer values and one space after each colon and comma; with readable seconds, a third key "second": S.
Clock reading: {"hour": 10, "minute": 8}
